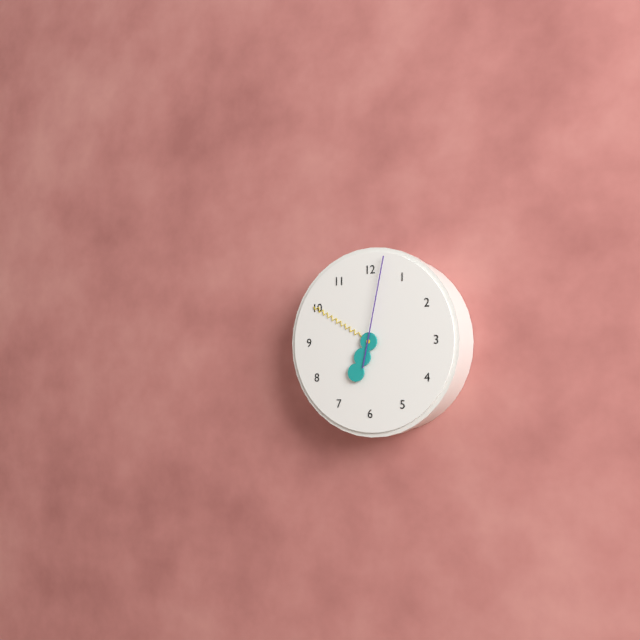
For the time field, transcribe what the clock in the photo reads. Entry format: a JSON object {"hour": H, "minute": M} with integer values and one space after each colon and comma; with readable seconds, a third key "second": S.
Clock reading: {"hour": 6, "minute": 50, "second": 2}
